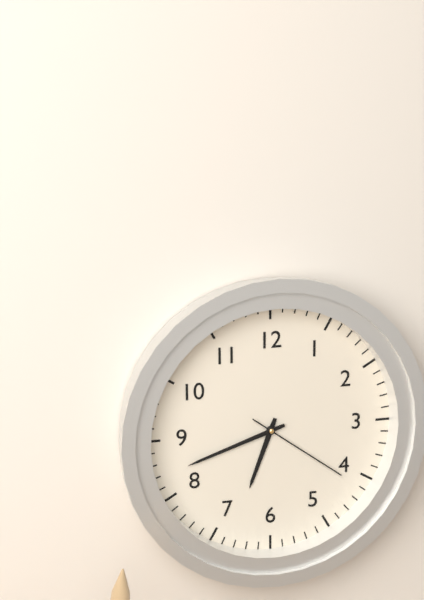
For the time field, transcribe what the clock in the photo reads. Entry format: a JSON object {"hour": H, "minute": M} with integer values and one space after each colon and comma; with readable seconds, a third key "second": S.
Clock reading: {"hour": 6, "minute": 42, "second": 21}
